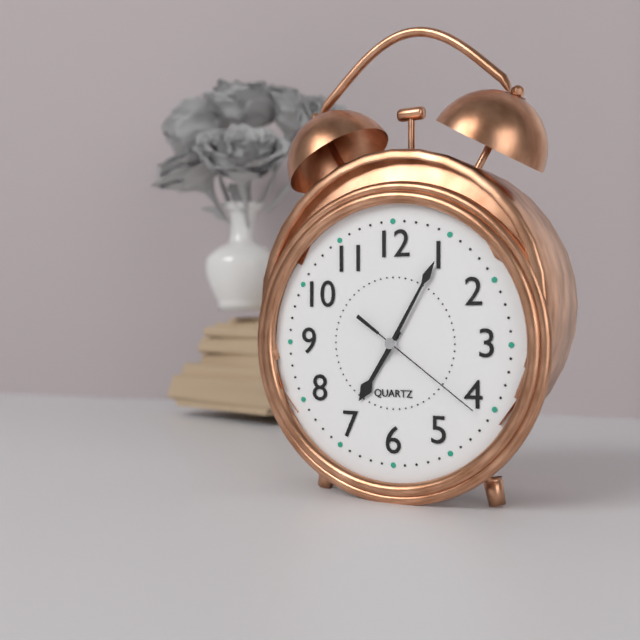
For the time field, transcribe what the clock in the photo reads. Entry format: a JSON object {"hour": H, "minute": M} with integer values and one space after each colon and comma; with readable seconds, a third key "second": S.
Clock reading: {"hour": 7, "minute": 5, "second": 21}
